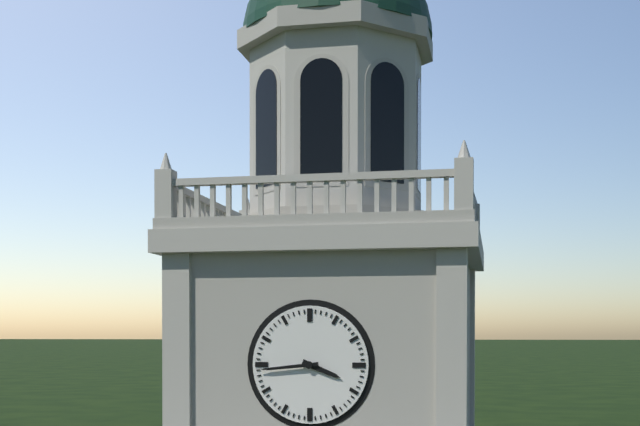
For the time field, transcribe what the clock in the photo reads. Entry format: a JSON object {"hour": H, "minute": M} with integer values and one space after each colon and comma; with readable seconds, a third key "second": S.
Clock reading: {"hour": 3, "minute": 44}
